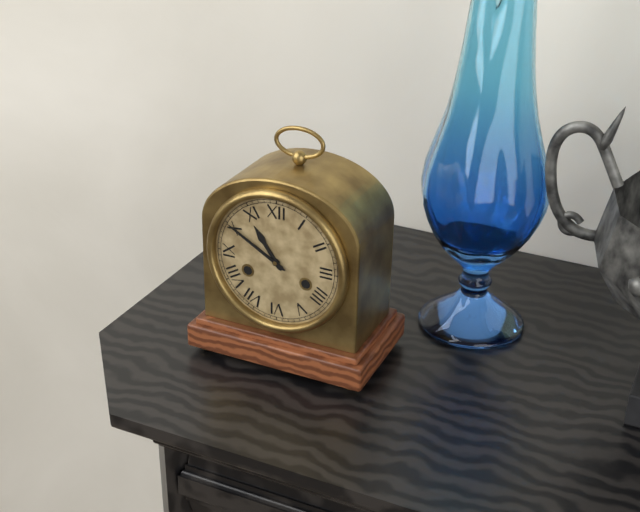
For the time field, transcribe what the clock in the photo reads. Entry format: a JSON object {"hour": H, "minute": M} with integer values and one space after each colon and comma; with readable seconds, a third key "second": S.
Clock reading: {"hour": 10, "minute": 50}
